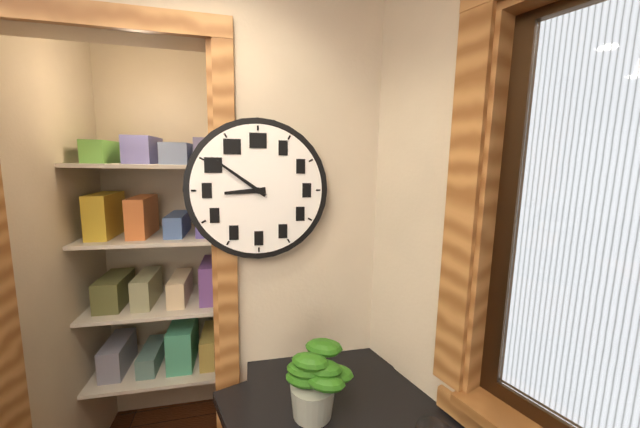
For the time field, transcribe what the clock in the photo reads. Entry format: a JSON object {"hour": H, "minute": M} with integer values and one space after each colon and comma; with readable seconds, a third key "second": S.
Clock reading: {"hour": 8, "minute": 51}
